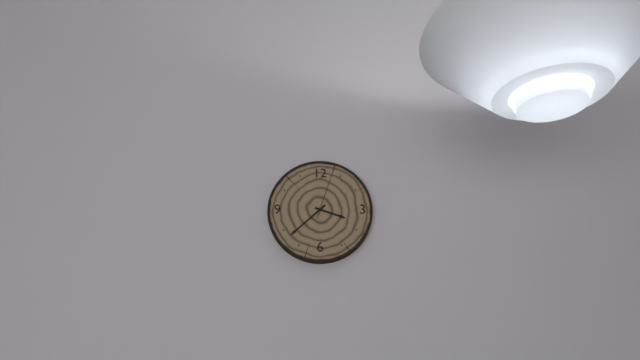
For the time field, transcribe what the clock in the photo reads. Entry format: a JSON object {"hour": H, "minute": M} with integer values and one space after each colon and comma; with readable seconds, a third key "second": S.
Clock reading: {"hour": 3, "minute": 38}
